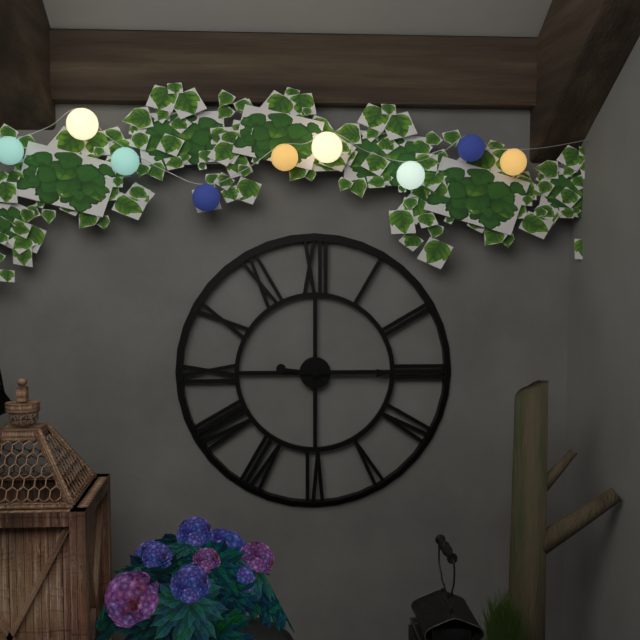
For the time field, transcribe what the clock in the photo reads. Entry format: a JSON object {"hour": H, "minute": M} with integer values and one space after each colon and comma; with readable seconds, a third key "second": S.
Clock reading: {"hour": 9, "minute": 15}
